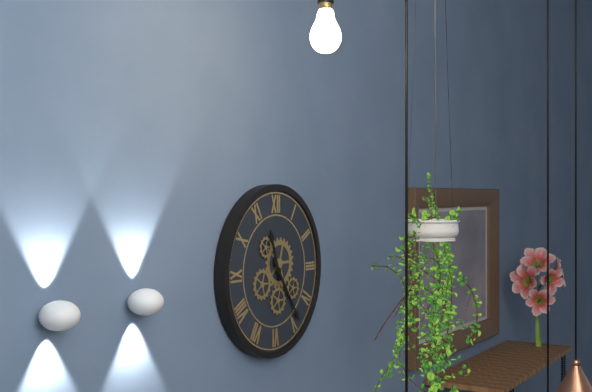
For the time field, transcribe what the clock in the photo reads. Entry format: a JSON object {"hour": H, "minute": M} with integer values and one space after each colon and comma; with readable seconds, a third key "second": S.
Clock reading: {"hour": 11, "minute": 24}
